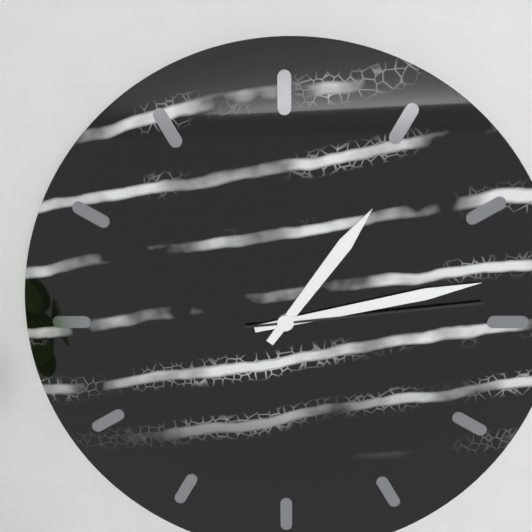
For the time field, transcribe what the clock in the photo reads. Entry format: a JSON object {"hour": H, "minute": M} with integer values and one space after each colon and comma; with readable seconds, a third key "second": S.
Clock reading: {"hour": 1, "minute": 13, "second": 14}
